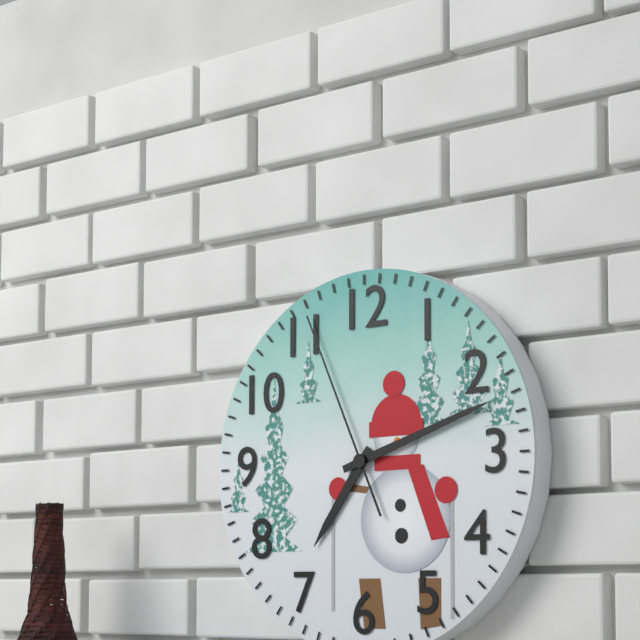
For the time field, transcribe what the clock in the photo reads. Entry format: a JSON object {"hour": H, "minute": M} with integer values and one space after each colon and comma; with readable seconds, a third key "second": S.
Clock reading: {"hour": 7, "minute": 12, "second": 56}
